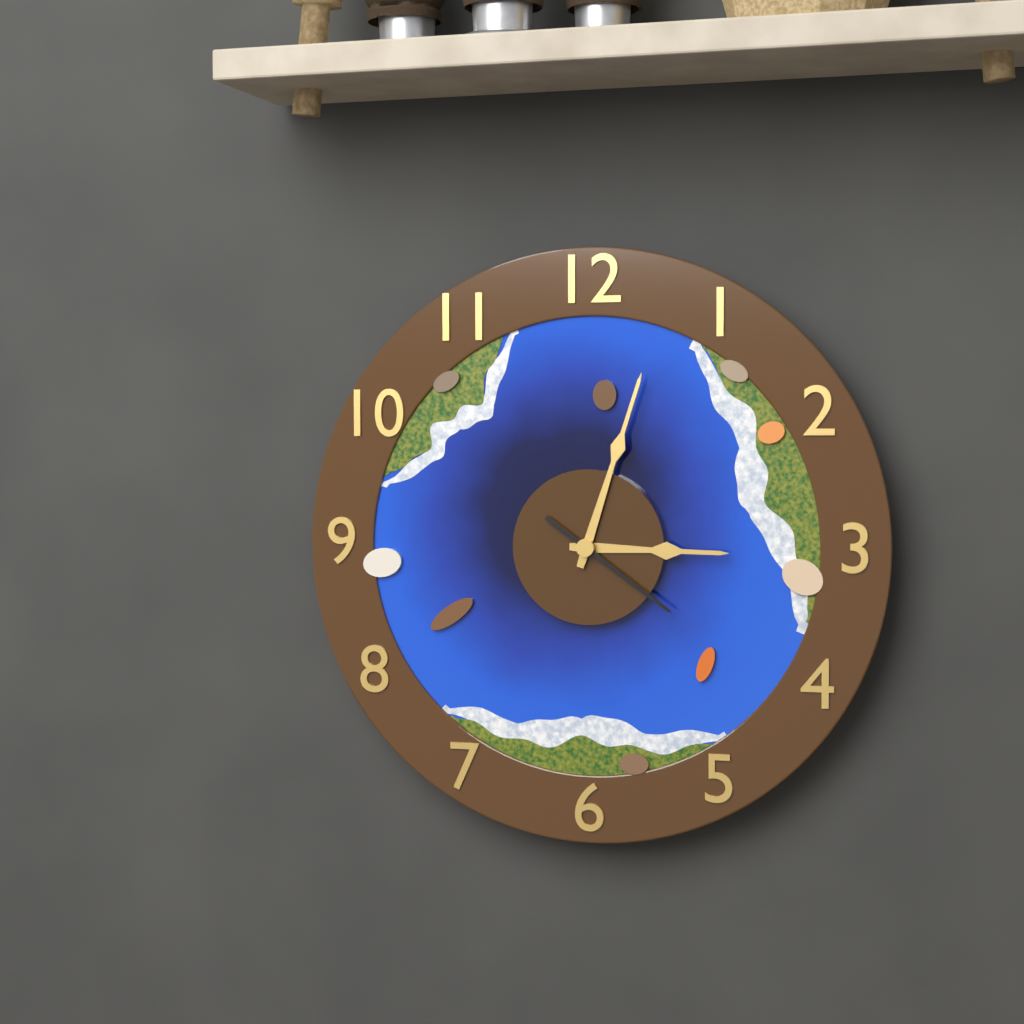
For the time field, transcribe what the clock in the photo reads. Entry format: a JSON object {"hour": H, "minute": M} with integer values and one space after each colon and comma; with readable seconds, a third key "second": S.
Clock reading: {"hour": 3, "minute": 3, "second": 21}
